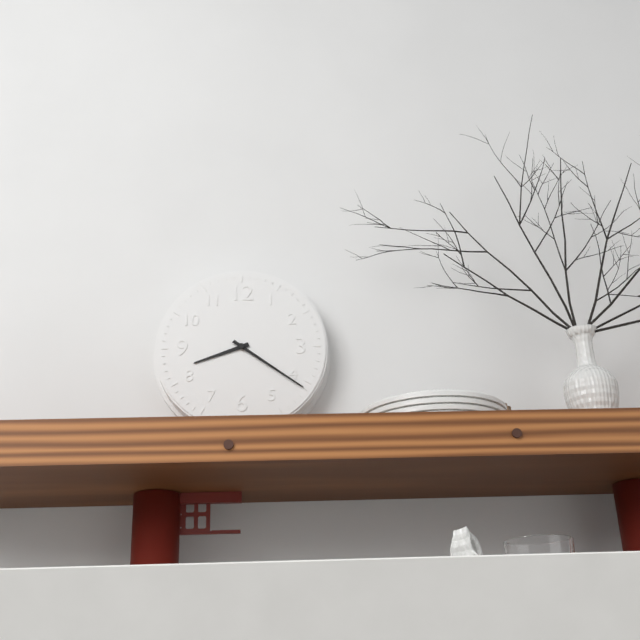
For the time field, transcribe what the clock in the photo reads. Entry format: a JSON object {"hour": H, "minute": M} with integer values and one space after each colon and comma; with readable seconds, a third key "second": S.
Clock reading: {"hour": 8, "minute": 21}
